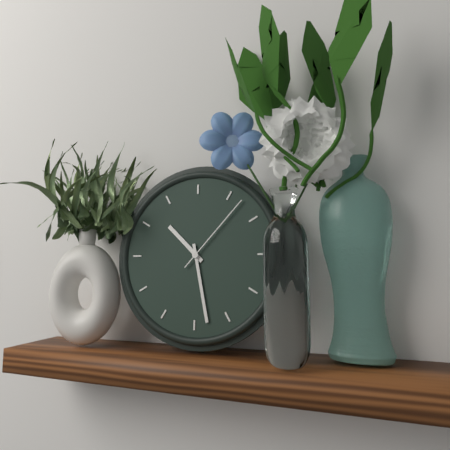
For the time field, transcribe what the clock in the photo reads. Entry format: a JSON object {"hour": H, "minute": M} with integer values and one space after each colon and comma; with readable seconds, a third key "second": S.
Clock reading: {"hour": 10, "minute": 28, "second": 7}
